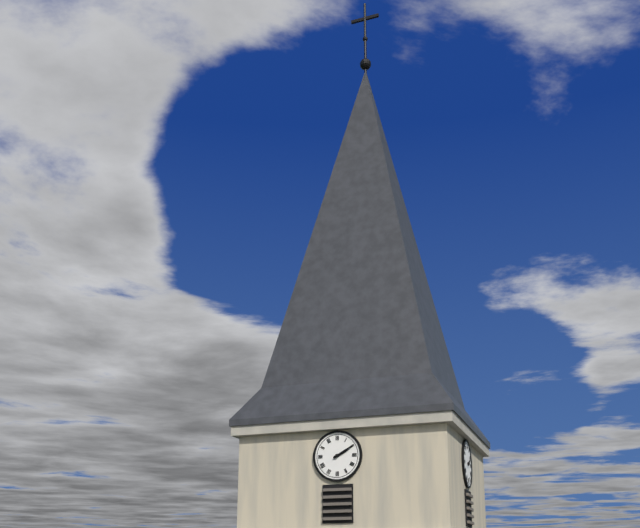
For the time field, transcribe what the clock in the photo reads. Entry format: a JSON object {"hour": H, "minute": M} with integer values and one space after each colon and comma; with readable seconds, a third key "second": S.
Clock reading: {"hour": 2, "minute": 10}
